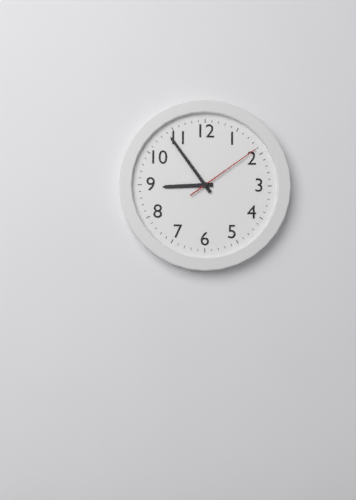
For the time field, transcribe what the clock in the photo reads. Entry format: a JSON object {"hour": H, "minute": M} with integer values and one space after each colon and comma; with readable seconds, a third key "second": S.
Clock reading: {"hour": 8, "minute": 54, "second": 9}
